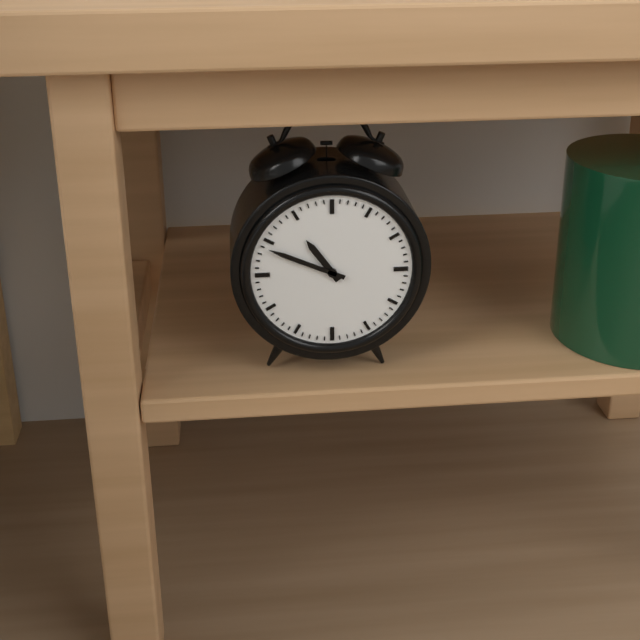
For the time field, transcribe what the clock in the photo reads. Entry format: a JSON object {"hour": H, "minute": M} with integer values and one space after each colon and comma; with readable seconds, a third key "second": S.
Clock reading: {"hour": 10, "minute": 49}
